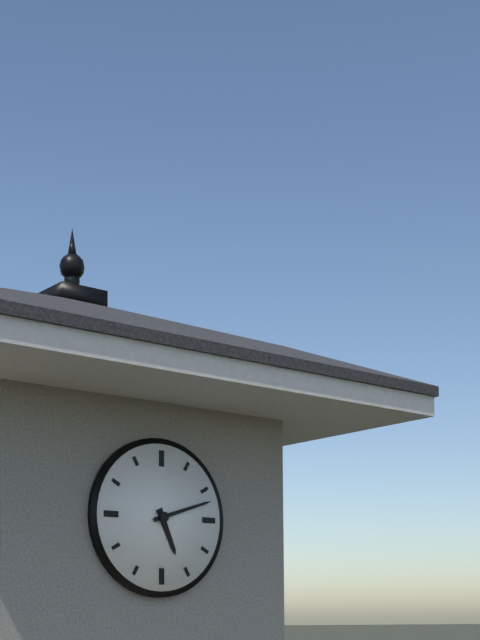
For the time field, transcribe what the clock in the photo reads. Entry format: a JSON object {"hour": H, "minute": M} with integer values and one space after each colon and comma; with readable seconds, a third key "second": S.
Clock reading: {"hour": 5, "minute": 12}
